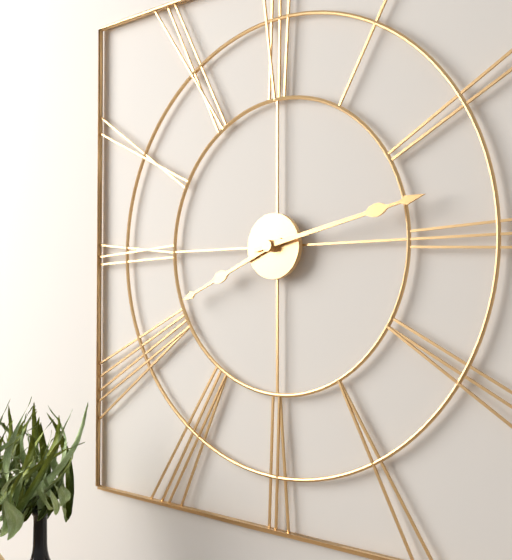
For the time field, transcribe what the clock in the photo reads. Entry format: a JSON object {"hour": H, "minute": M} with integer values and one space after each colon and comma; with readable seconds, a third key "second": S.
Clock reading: {"hour": 8, "minute": 13}
